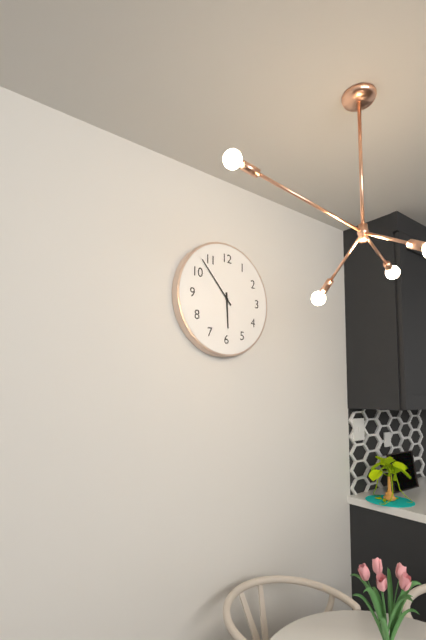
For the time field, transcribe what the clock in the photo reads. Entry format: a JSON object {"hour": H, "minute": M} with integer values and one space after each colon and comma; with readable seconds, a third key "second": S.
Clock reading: {"hour": 5, "minute": 53}
